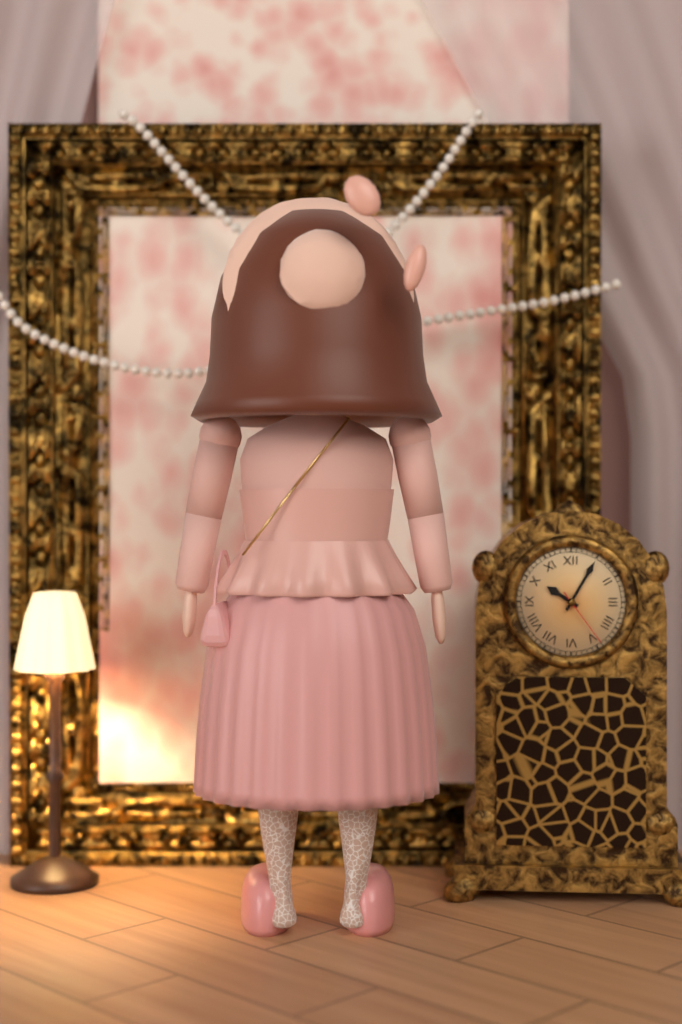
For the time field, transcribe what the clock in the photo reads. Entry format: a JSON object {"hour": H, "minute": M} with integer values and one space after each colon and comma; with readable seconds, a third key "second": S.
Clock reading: {"hour": 10, "minute": 5, "second": 24}
